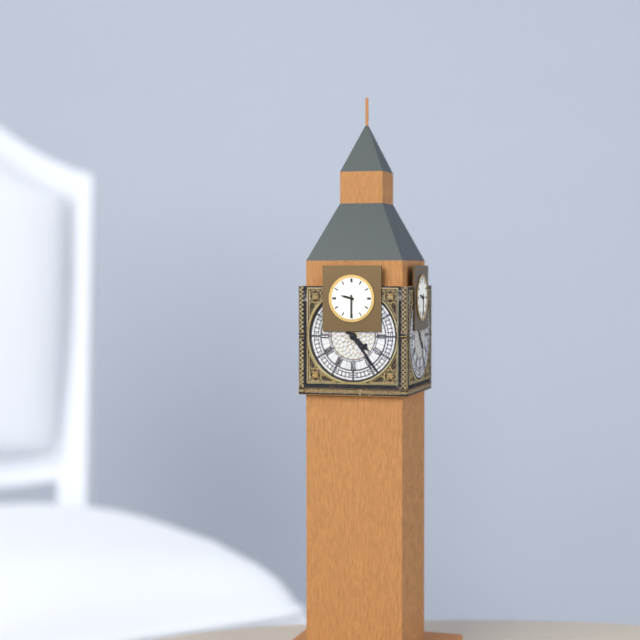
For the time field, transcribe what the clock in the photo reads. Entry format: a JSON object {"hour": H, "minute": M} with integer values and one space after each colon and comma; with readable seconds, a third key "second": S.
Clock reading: {"hour": 9, "minute": 30}
